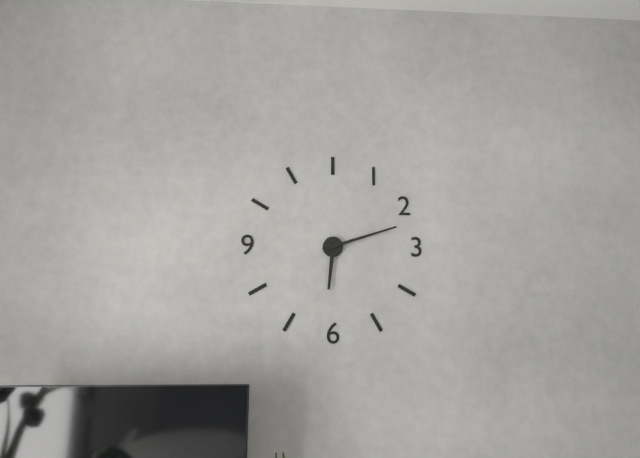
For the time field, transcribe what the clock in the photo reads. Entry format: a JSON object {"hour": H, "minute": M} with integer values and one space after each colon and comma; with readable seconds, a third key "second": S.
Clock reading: {"hour": 6, "minute": 12}
